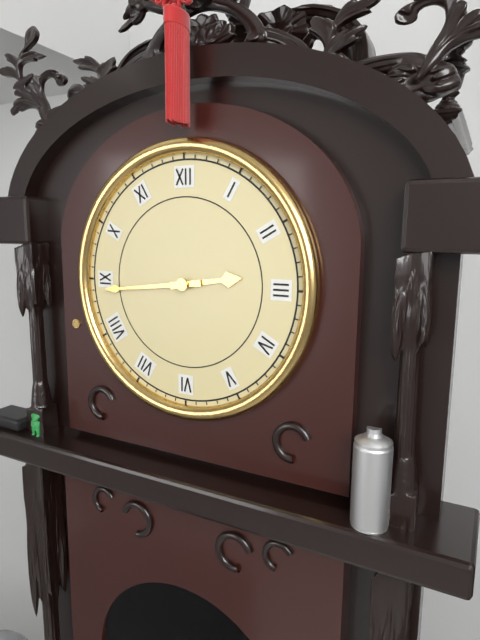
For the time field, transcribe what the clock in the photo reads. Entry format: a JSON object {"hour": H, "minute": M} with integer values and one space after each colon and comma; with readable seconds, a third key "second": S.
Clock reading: {"hour": 2, "minute": 44}
